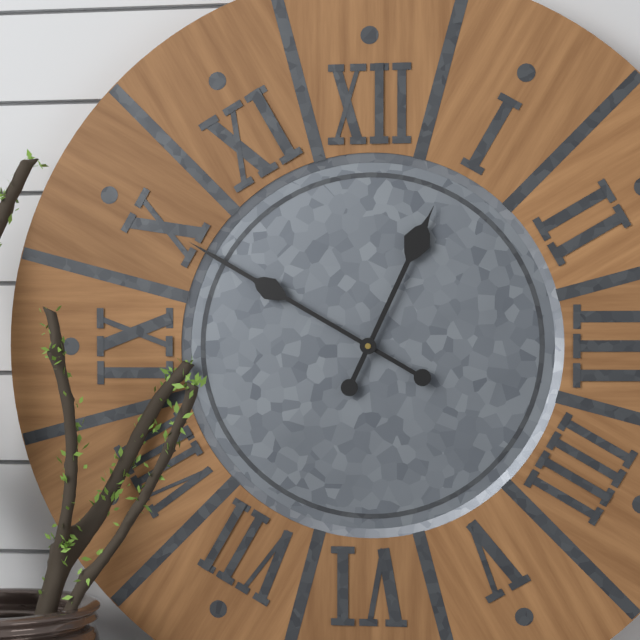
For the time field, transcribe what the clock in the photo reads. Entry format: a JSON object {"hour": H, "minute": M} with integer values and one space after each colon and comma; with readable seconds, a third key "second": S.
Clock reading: {"hour": 12, "minute": 50}
